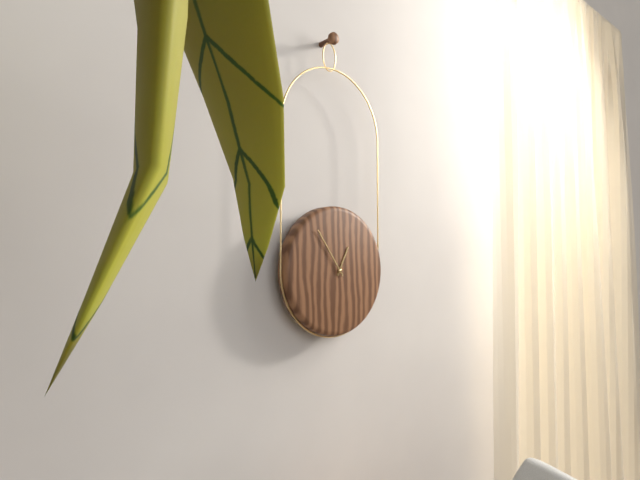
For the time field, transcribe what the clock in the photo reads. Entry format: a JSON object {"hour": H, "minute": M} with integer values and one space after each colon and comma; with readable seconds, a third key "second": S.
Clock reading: {"hour": 12, "minute": 54}
